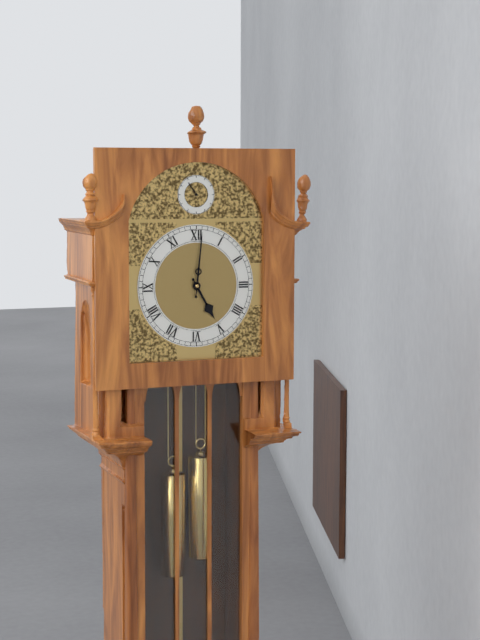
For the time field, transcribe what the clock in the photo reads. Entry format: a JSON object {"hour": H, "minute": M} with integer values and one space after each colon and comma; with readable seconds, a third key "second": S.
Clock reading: {"hour": 5, "minute": 1}
